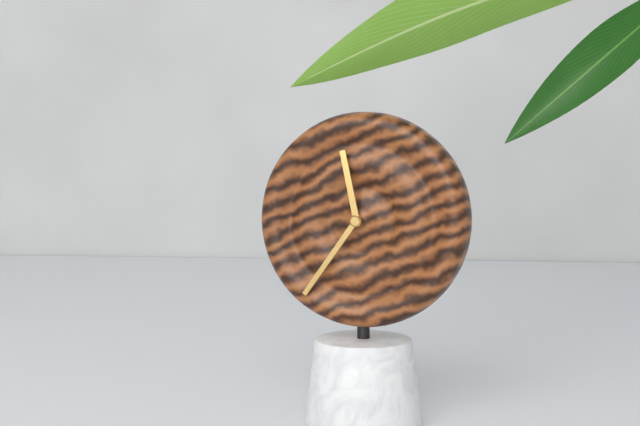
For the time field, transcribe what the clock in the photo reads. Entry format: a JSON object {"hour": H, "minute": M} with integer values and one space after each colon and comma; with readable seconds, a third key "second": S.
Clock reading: {"hour": 11, "minute": 36}
